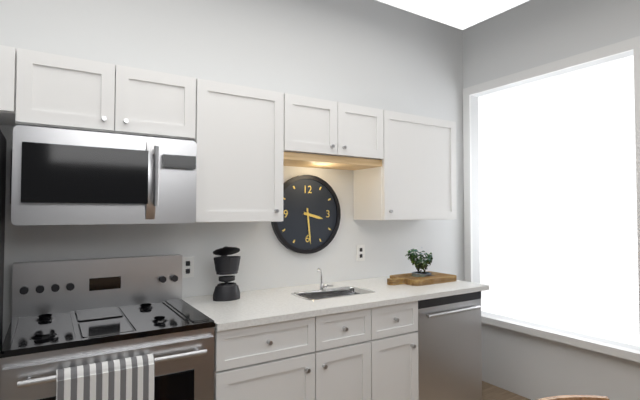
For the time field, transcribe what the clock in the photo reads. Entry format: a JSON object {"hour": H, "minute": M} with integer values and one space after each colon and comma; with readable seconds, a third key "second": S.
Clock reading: {"hour": 3, "minute": 29}
